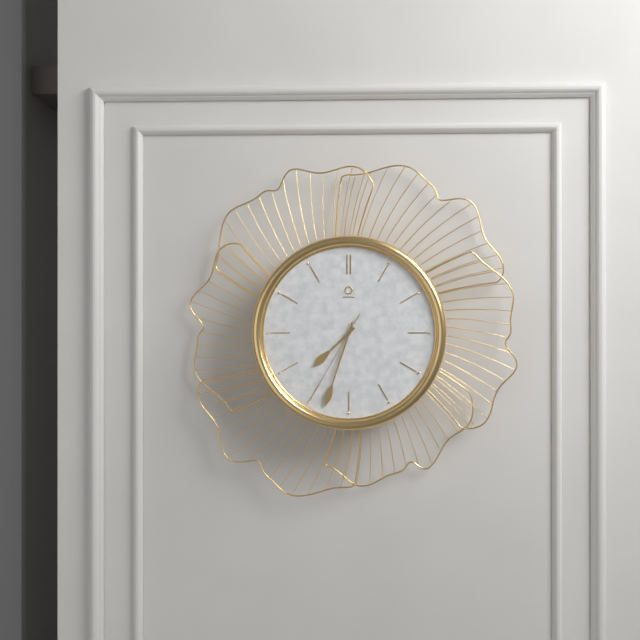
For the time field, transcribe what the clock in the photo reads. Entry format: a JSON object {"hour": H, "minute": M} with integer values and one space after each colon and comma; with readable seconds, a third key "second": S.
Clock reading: {"hour": 7, "minute": 33, "second": 35}
